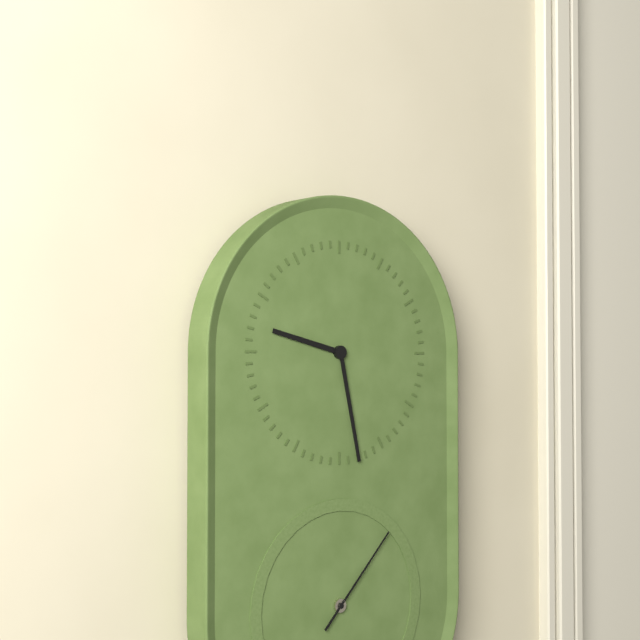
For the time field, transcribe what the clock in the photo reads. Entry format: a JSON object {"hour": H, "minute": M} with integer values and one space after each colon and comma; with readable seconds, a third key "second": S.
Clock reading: {"hour": 9, "minute": 28, "second": 7}
